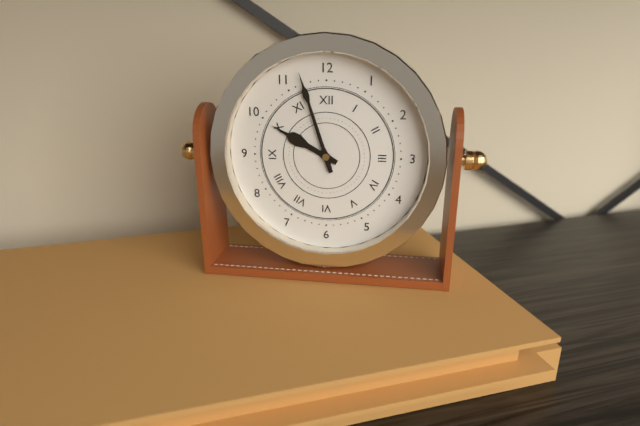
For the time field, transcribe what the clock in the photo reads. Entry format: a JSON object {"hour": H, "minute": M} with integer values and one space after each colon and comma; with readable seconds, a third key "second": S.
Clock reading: {"hour": 9, "minute": 57}
